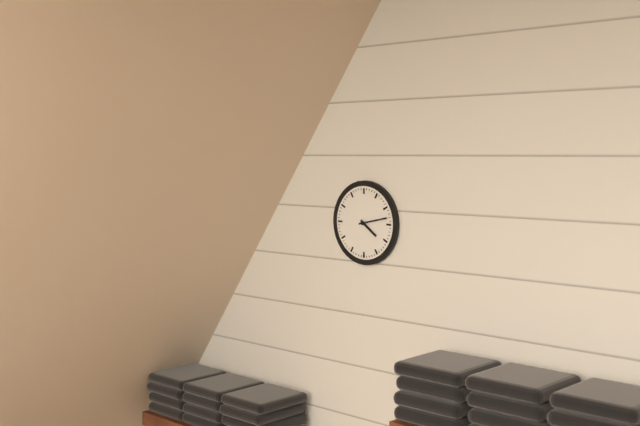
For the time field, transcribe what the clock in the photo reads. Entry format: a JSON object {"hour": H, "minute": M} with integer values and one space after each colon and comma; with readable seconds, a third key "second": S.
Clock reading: {"hour": 4, "minute": 13}
